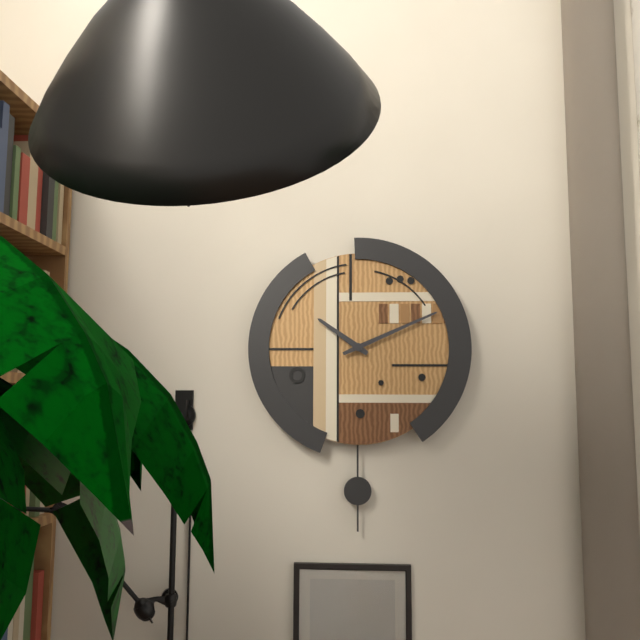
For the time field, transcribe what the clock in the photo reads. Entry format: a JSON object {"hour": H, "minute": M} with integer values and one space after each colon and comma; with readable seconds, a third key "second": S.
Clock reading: {"hour": 10, "minute": 11}
